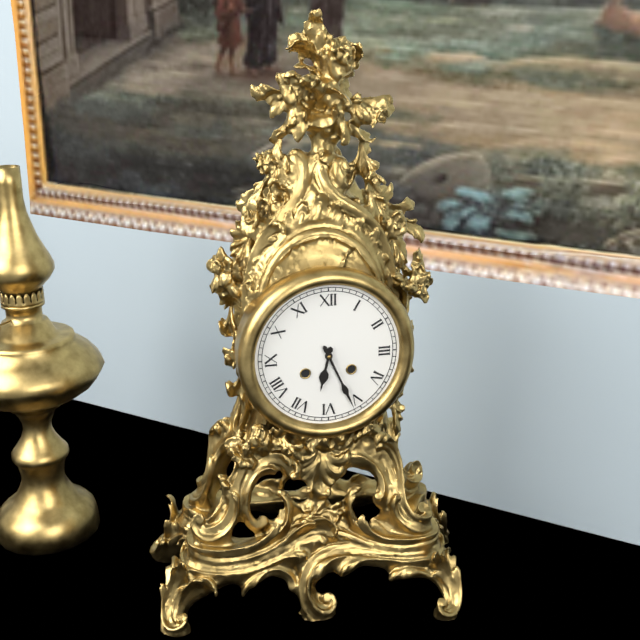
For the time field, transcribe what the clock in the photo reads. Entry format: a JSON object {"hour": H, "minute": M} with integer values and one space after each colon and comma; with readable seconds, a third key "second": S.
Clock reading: {"hour": 6, "minute": 26}
